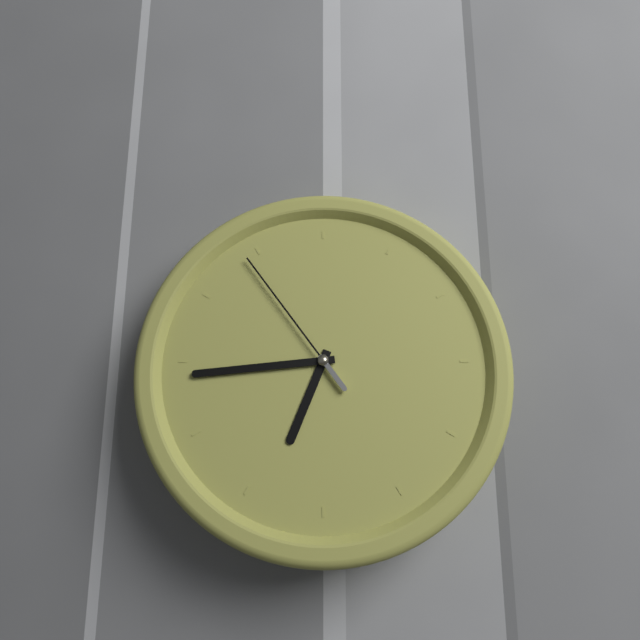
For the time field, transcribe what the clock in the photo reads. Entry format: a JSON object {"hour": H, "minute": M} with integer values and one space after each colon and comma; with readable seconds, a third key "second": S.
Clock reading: {"hour": 6, "minute": 44, "second": 54}
